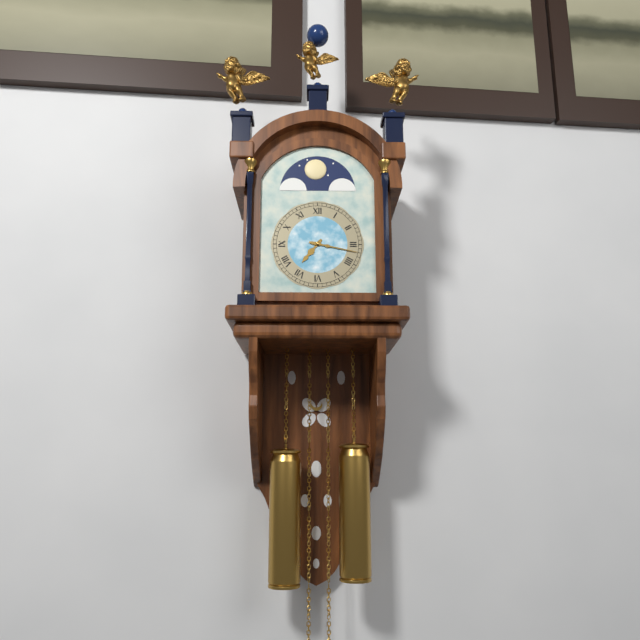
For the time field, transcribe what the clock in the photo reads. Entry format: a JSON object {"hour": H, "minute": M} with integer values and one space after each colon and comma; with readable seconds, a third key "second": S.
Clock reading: {"hour": 7, "minute": 17}
